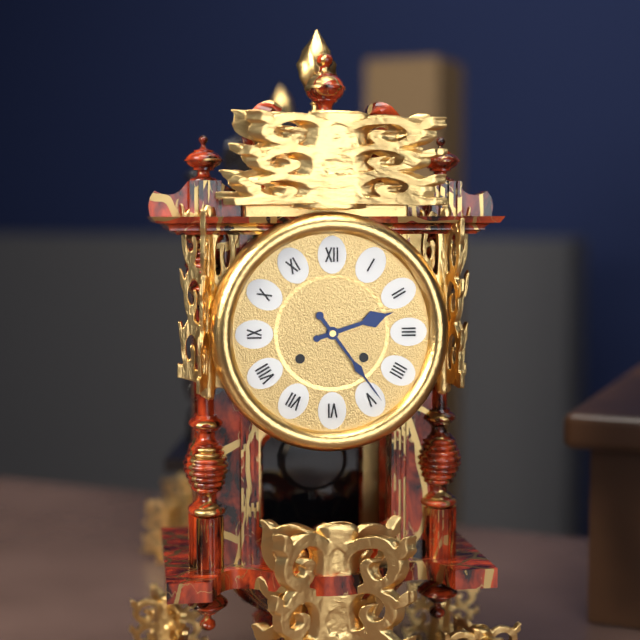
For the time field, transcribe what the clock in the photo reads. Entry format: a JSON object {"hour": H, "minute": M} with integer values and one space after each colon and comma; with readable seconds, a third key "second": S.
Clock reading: {"hour": 2, "minute": 24}
